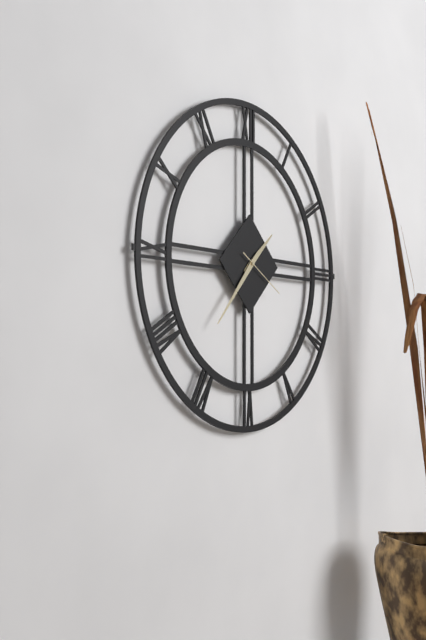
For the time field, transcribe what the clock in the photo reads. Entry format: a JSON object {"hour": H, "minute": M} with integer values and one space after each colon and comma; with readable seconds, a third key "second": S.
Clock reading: {"hour": 1, "minute": 37, "second": 20}
